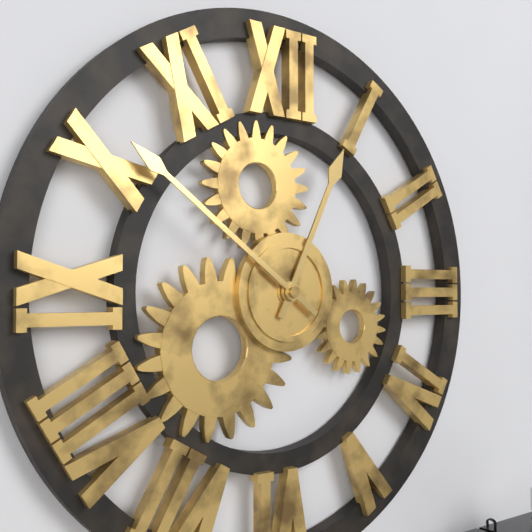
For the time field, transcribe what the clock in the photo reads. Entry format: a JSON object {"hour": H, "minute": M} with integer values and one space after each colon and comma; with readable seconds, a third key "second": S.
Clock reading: {"hour": 12, "minute": 51}
